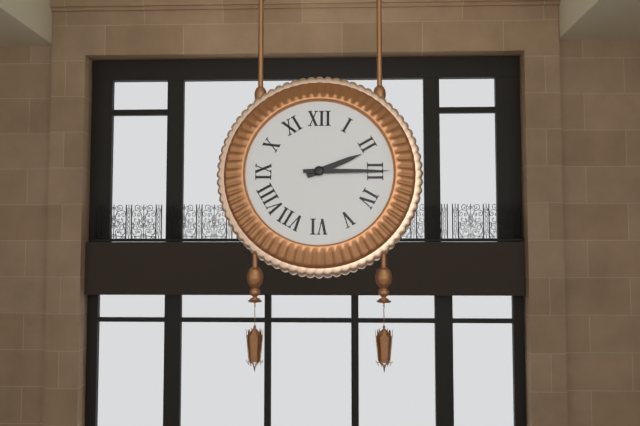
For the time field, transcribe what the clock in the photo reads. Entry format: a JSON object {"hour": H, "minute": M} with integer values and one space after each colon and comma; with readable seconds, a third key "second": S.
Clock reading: {"hour": 2, "minute": 15}
